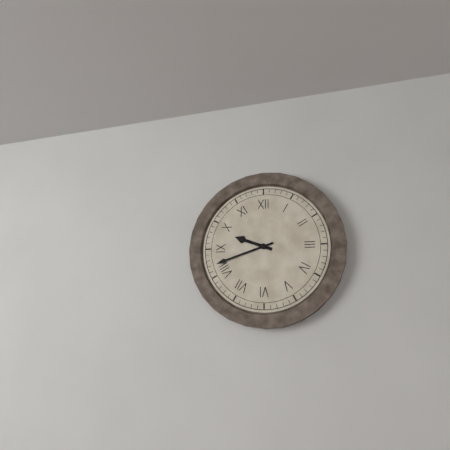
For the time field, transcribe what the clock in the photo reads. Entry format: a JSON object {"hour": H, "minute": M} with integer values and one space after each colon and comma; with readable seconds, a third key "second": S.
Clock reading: {"hour": 9, "minute": 42}
